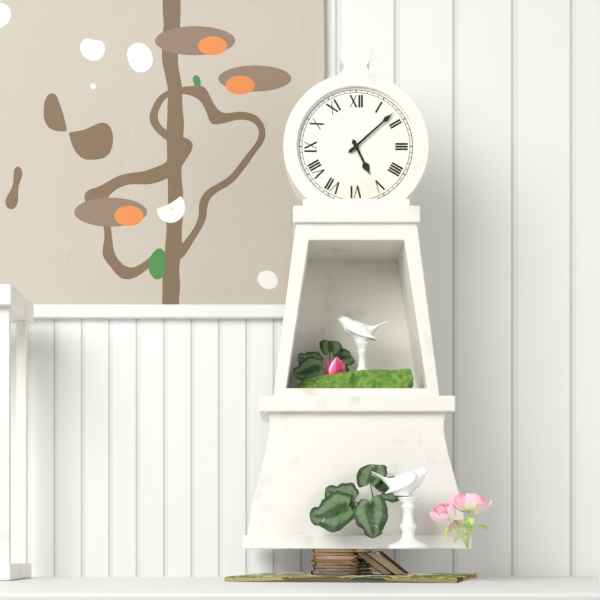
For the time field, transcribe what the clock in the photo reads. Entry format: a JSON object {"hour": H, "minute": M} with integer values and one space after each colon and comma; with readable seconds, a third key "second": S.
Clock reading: {"hour": 5, "minute": 8}
